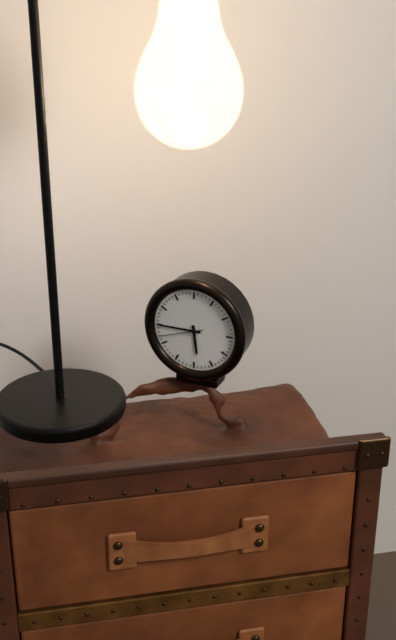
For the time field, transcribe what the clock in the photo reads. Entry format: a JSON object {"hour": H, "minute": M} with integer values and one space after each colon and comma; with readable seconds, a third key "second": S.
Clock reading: {"hour": 5, "minute": 45}
